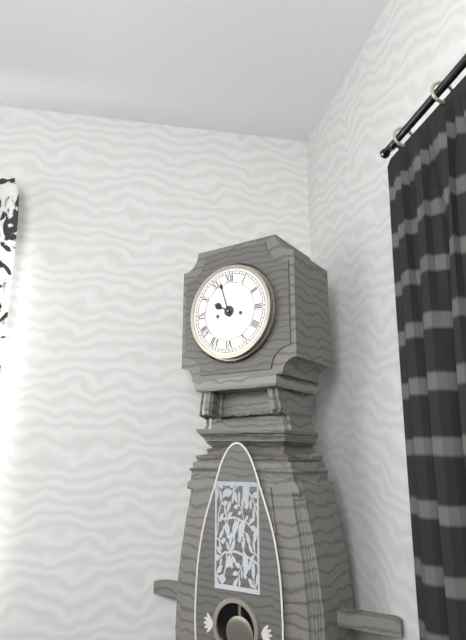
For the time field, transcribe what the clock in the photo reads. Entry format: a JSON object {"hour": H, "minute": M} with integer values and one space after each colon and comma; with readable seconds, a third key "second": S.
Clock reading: {"hour": 9, "minute": 57}
